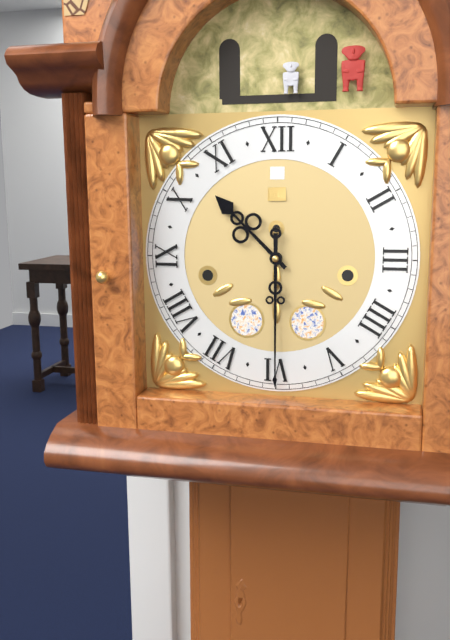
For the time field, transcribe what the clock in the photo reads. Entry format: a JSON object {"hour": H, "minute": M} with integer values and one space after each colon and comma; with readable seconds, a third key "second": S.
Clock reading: {"hour": 10, "minute": 30}
